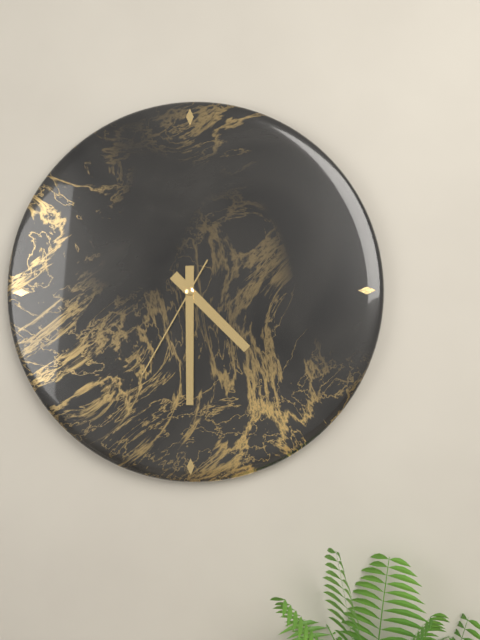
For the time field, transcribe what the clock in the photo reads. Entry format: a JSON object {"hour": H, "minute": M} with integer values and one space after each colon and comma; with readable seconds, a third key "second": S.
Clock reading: {"hour": 4, "minute": 30, "second": 35}
